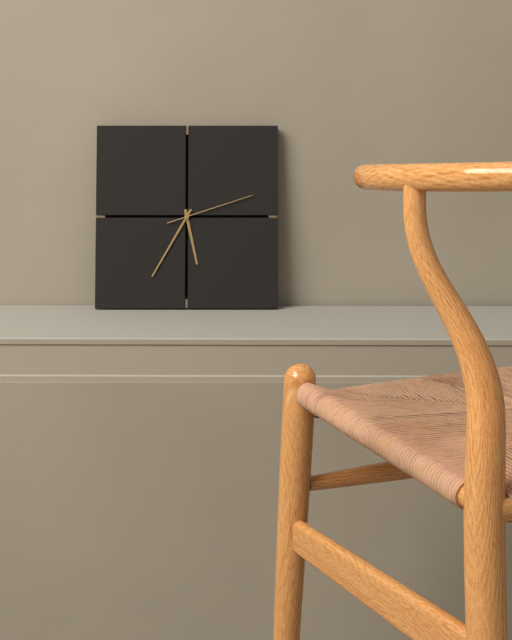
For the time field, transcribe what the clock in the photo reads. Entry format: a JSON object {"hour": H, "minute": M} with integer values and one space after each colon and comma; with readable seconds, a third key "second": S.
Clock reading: {"hour": 5, "minute": 35, "second": 12}
